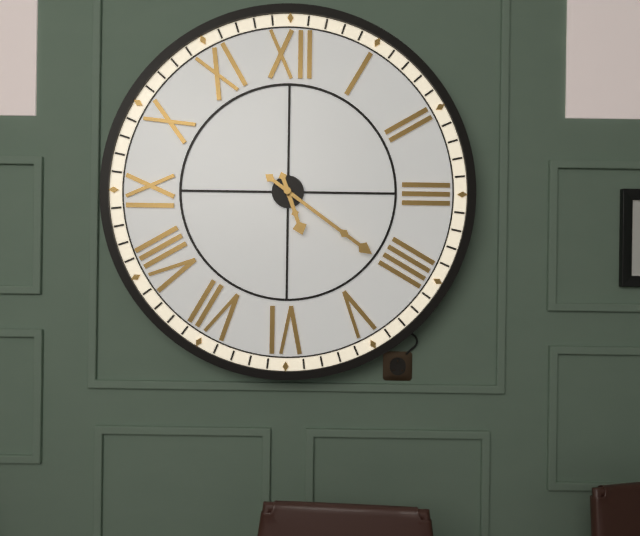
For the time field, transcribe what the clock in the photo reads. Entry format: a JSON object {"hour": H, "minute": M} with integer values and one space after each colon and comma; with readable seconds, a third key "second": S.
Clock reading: {"hour": 5, "minute": 21}
